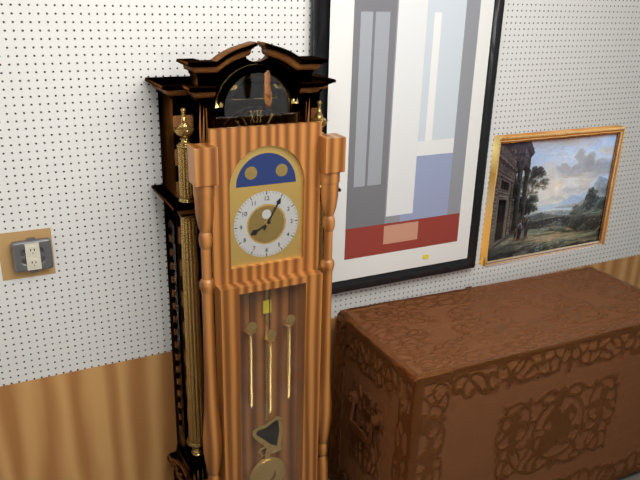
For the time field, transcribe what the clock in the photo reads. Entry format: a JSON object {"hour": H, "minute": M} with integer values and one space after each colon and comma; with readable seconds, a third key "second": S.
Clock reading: {"hour": 8, "minute": 5}
